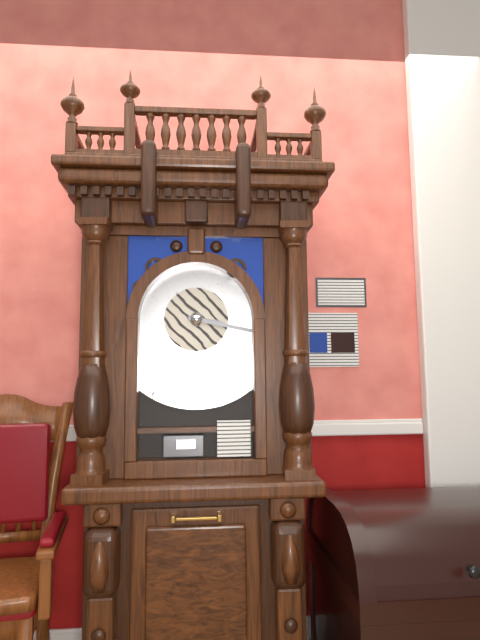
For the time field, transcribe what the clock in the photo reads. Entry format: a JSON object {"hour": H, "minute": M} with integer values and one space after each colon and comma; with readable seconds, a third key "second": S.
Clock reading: {"hour": 3, "minute": 17}
